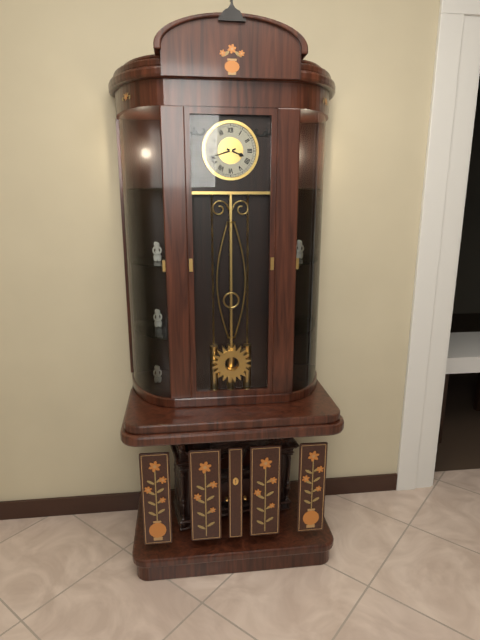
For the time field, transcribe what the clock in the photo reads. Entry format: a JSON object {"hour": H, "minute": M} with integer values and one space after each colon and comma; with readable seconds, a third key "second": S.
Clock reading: {"hour": 3, "minute": 42}
